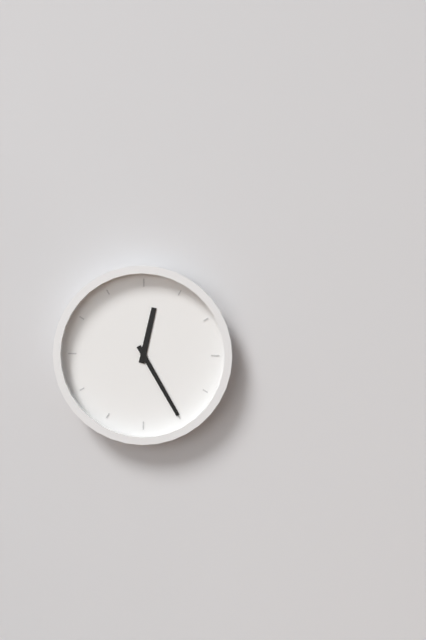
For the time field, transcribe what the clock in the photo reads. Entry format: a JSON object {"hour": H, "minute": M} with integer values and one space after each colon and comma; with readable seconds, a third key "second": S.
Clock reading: {"hour": 12, "minute": 25}
